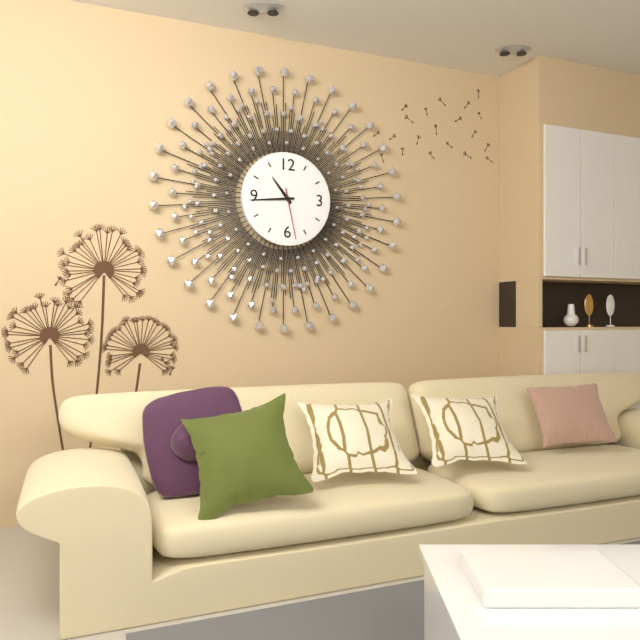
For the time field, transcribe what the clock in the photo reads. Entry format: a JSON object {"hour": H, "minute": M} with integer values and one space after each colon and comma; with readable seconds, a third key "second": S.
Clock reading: {"hour": 10, "minute": 44, "second": 28}
